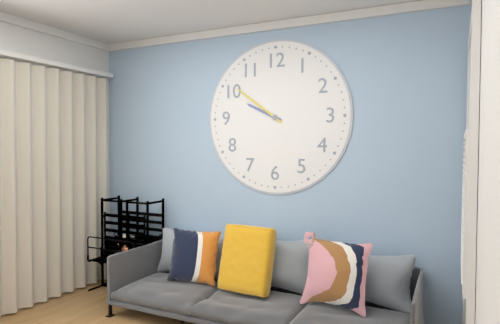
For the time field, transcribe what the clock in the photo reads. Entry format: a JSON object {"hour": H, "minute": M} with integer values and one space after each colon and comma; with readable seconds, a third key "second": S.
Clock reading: {"hour": 9, "minute": 51}
